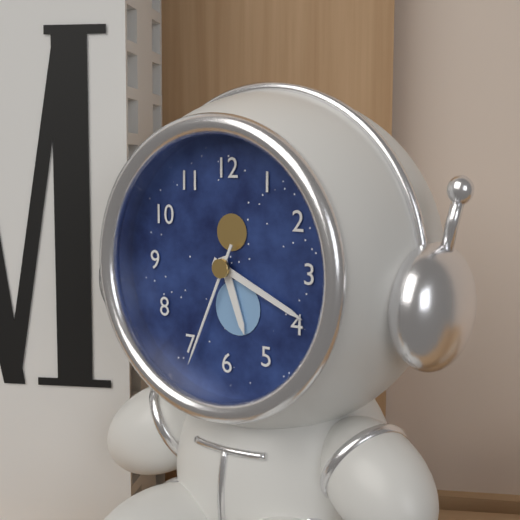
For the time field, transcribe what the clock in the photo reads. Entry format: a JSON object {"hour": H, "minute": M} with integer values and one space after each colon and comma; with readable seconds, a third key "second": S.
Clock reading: {"hour": 5, "minute": 19, "second": 34}
